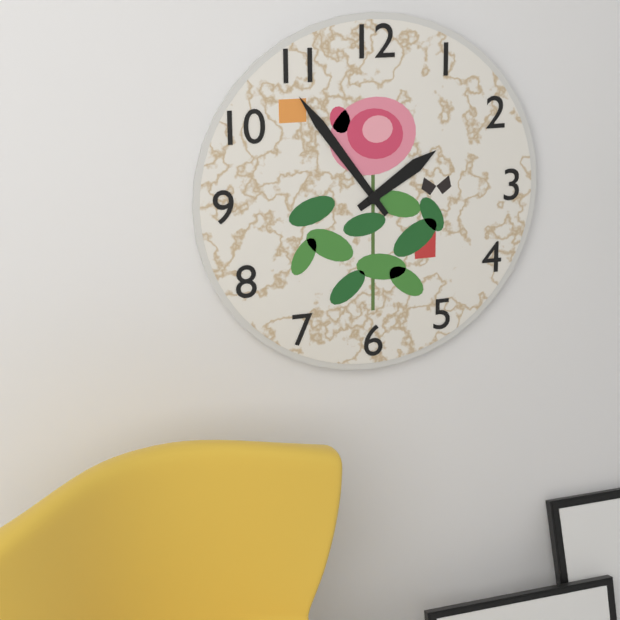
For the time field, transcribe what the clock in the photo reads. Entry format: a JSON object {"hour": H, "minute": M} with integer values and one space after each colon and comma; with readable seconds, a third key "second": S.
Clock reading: {"hour": 1, "minute": 54}
